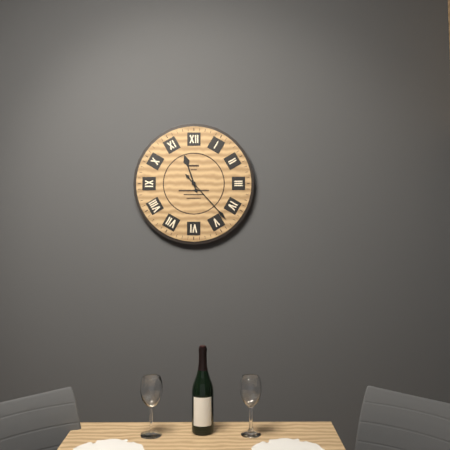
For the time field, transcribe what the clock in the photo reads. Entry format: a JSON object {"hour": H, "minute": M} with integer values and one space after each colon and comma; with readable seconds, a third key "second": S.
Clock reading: {"hour": 11, "minute": 23}
